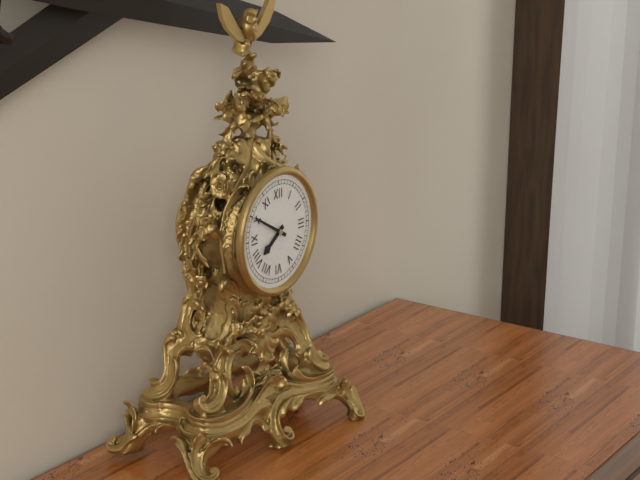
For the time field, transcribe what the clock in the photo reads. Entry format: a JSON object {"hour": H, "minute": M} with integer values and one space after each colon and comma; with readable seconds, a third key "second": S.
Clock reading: {"hour": 7, "minute": 50}
